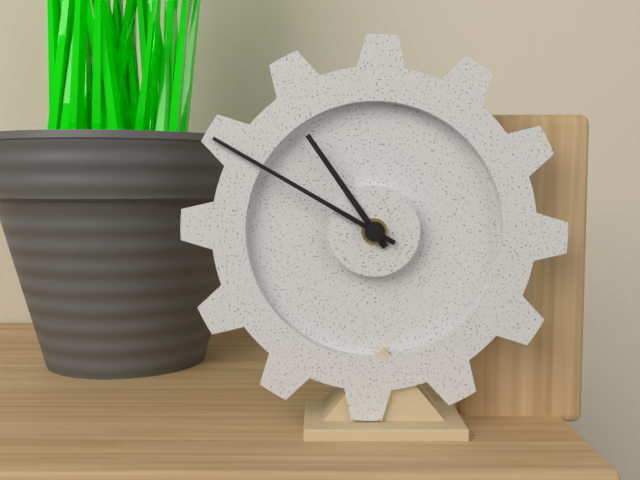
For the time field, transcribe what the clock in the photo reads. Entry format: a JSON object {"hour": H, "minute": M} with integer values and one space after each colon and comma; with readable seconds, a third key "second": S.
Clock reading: {"hour": 10, "minute": 50}
